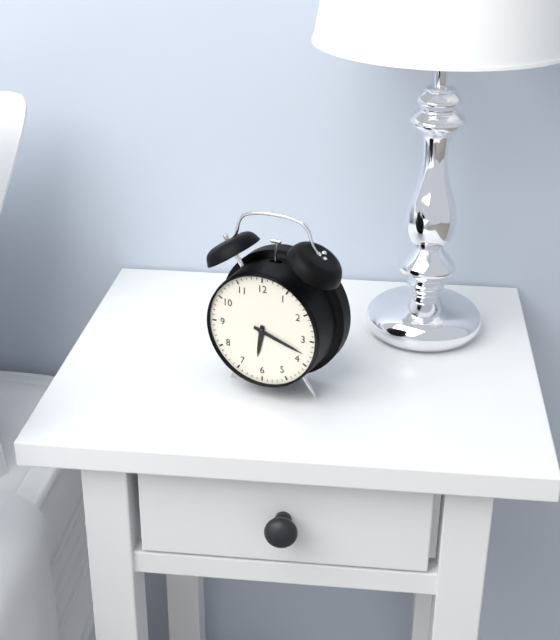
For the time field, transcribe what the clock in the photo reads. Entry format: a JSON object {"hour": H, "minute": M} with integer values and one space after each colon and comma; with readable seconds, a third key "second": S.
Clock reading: {"hour": 6, "minute": 18}
